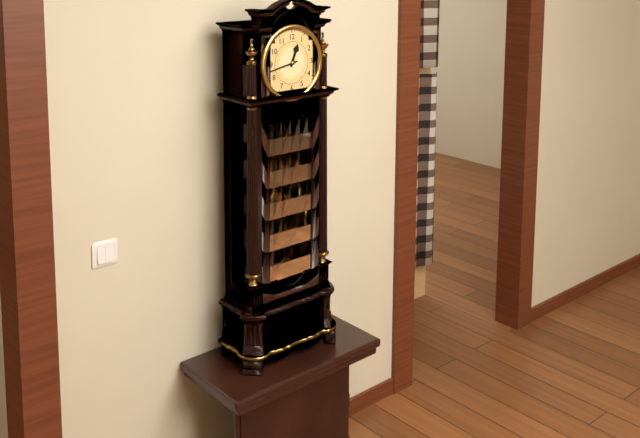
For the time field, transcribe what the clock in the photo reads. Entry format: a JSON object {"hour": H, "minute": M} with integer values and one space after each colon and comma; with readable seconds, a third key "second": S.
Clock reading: {"hour": 12, "minute": 43}
